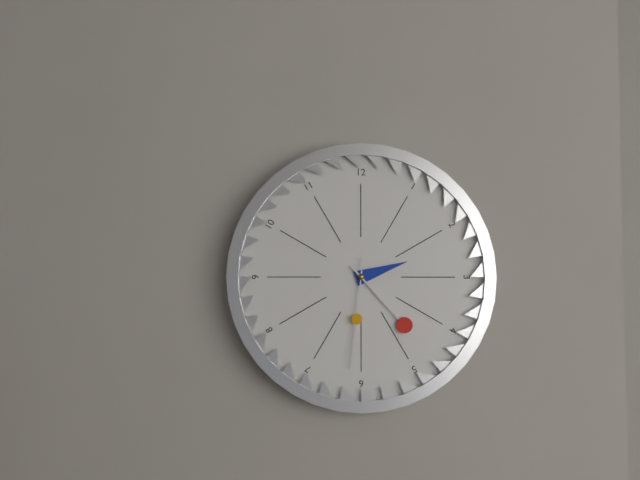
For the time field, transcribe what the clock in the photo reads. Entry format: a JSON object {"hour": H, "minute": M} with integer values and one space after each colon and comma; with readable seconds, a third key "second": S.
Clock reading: {"hour": 2, "minute": 23, "second": 31}
